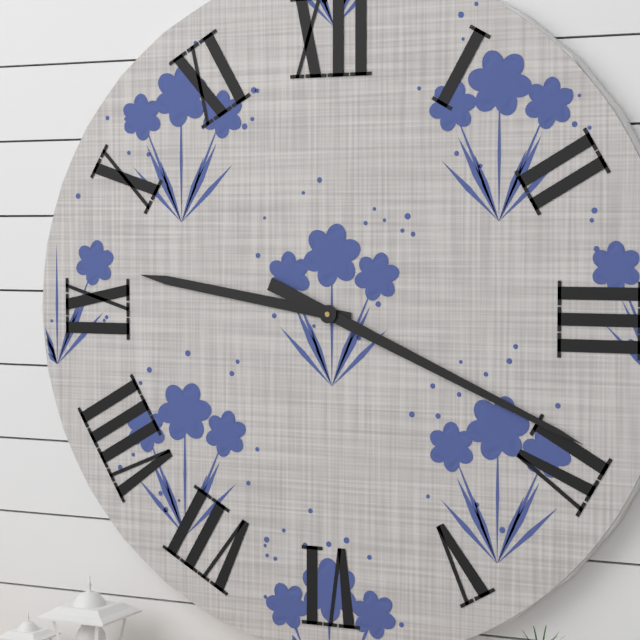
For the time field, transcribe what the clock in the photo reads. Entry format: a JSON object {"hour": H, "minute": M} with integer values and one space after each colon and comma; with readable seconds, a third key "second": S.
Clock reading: {"hour": 9, "minute": 19}
